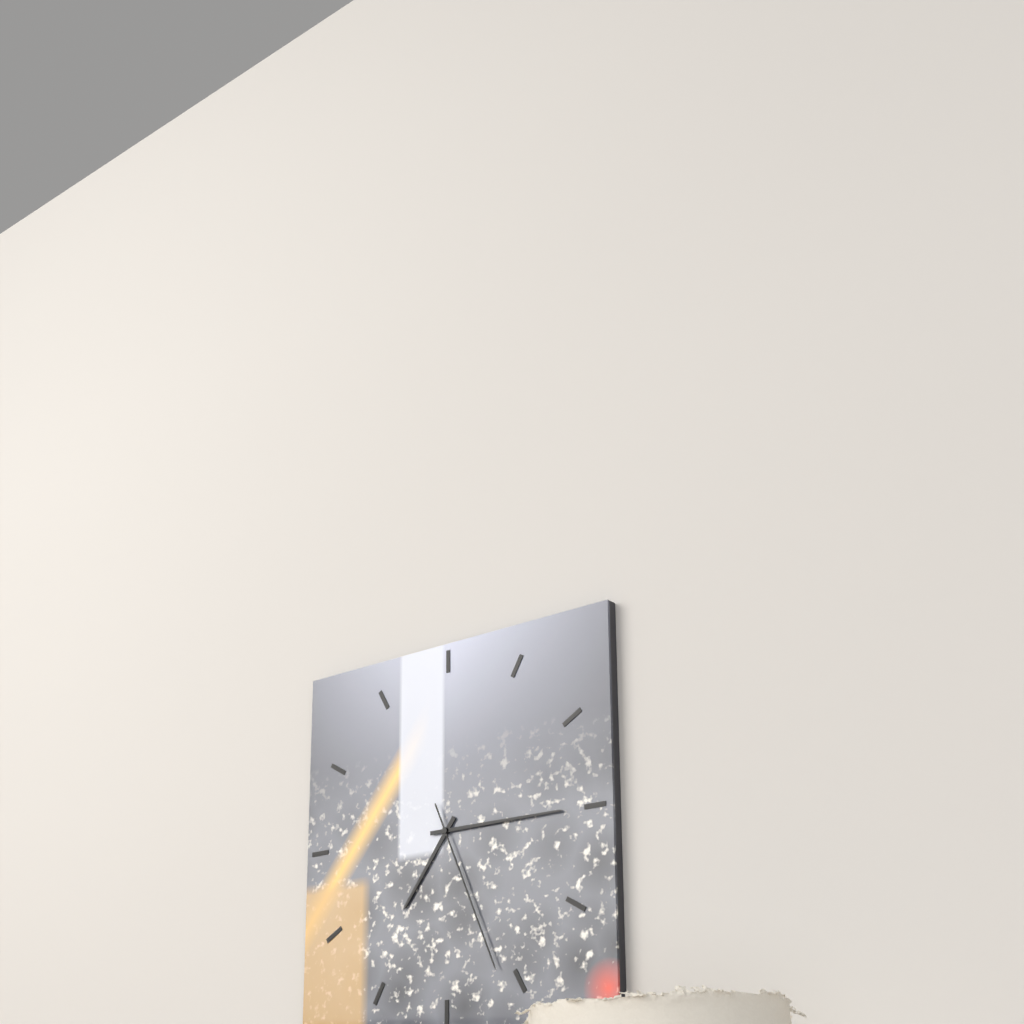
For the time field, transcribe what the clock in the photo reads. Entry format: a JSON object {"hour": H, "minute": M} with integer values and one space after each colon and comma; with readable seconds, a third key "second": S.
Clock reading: {"hour": 7, "minute": 15, "second": 26}
